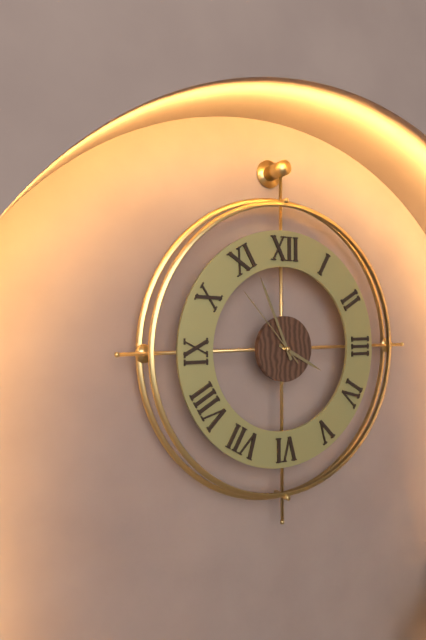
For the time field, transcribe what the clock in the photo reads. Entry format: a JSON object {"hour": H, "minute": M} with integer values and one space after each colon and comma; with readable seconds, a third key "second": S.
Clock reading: {"hour": 3, "minute": 56, "second": 53}
